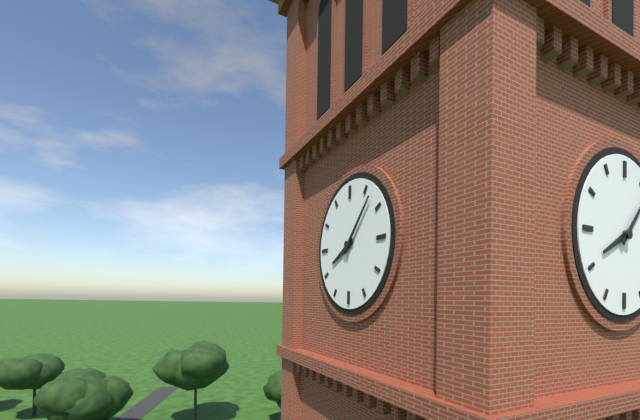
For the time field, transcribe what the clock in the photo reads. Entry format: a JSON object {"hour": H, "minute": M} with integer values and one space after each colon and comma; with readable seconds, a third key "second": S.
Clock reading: {"hour": 8, "minute": 7}
